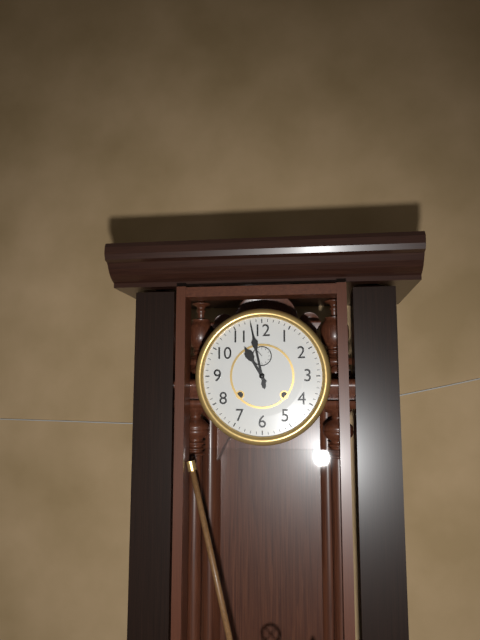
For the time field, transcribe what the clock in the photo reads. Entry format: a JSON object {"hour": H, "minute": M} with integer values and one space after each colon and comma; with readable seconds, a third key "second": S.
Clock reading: {"hour": 10, "minute": 58}
